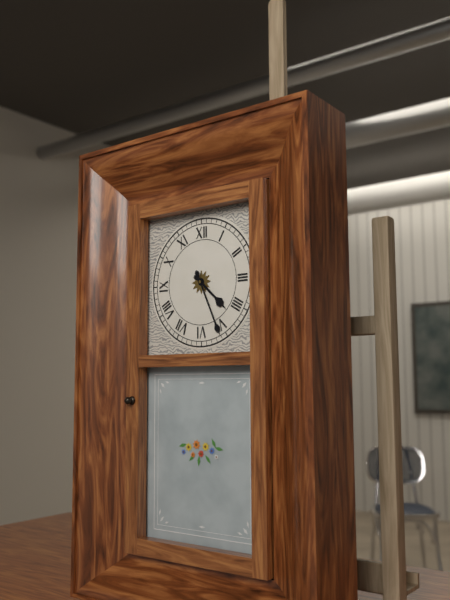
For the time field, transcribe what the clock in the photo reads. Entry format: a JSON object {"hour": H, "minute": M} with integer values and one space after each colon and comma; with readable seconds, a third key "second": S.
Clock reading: {"hour": 4, "minute": 26}
